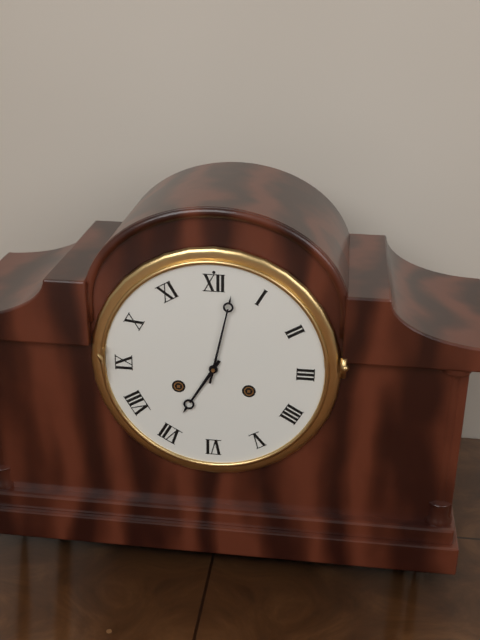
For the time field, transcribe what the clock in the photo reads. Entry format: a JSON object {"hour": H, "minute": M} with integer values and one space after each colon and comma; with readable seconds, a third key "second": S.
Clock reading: {"hour": 7, "minute": 2}
